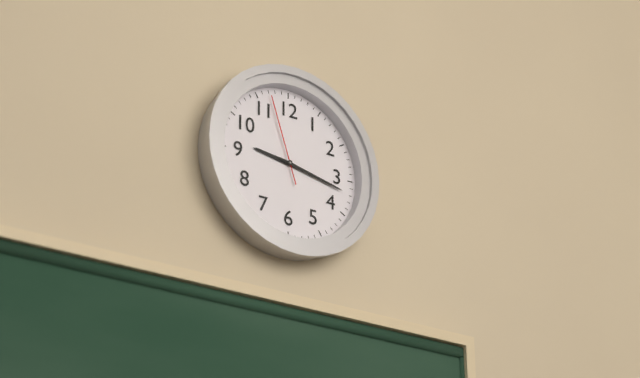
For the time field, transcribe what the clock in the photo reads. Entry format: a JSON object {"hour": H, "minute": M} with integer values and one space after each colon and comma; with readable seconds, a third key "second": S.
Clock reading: {"hour": 9, "minute": 17, "second": 57}
